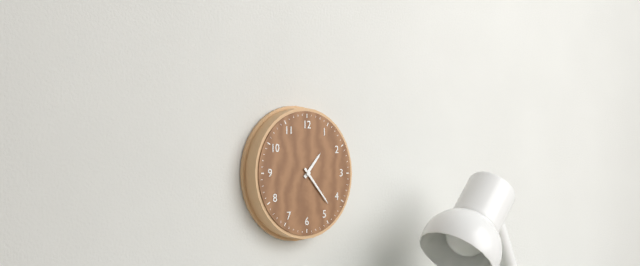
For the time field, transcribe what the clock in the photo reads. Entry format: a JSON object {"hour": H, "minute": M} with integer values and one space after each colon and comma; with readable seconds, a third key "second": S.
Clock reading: {"hour": 1, "minute": 23}
